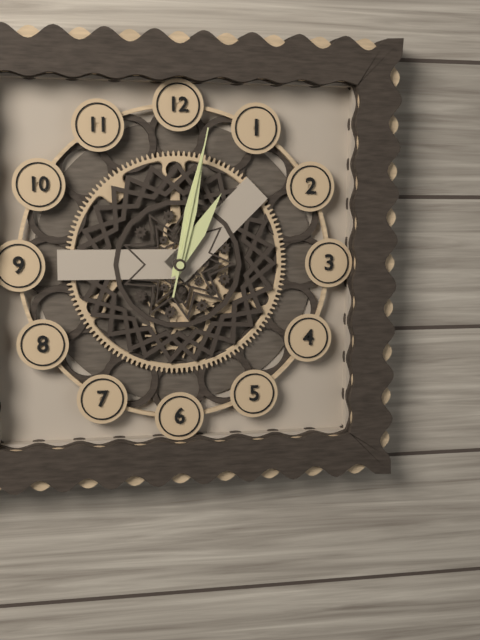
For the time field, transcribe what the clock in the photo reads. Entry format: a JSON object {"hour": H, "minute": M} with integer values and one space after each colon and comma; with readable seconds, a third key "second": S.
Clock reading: {"hour": 1, "minute": 2, "second": 2}
